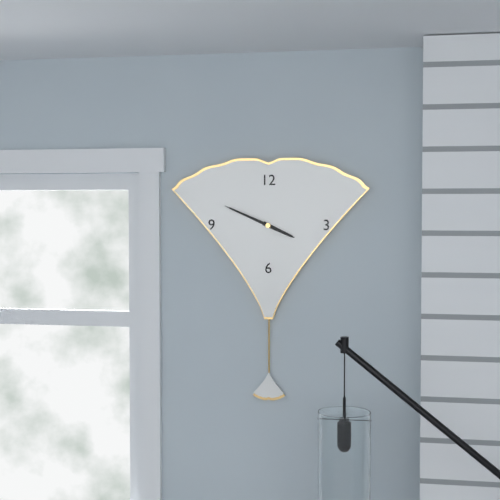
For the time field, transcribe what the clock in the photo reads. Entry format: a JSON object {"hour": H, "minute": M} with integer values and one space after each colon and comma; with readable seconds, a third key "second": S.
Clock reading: {"hour": 3, "minute": 49}
